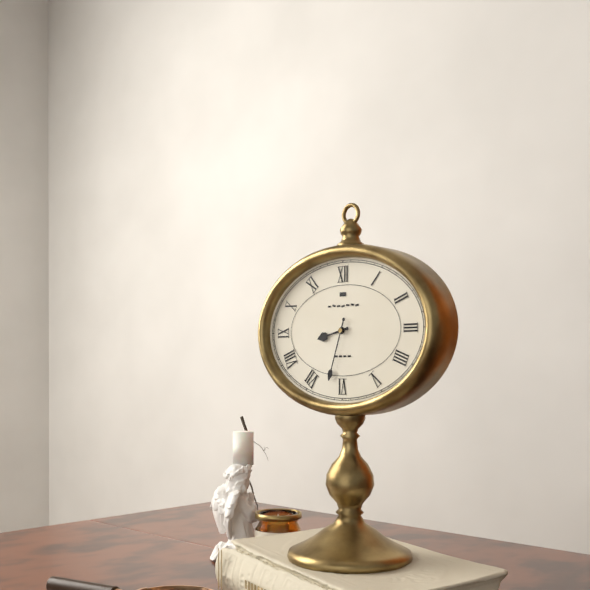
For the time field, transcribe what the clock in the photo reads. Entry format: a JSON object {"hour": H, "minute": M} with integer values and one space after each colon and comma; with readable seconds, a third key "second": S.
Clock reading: {"hour": 8, "minute": 33}
